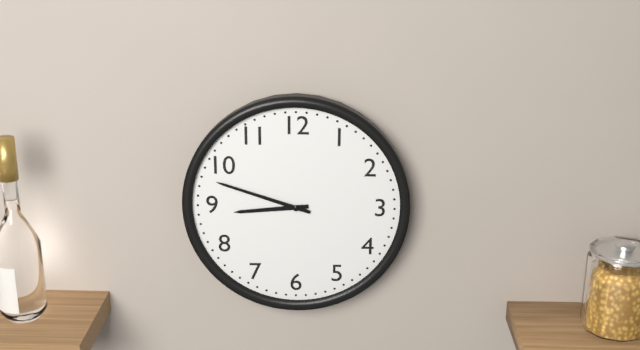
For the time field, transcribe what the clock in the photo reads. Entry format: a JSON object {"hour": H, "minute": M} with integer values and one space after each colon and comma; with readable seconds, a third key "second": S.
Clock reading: {"hour": 8, "minute": 48}
